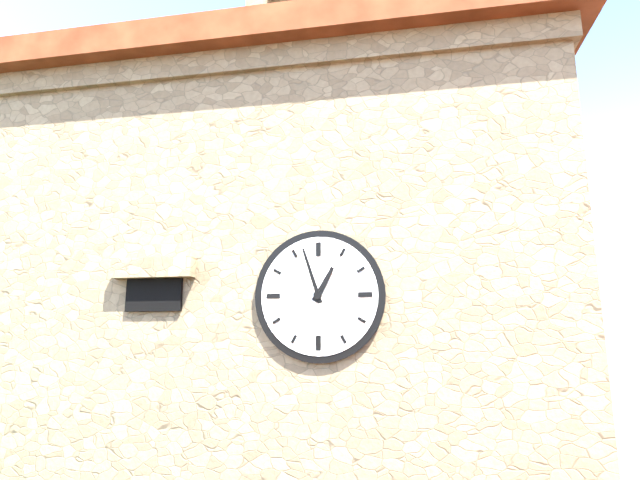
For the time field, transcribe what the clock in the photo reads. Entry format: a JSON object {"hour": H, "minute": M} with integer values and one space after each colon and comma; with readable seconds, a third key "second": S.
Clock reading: {"hour": 12, "minute": 57}
